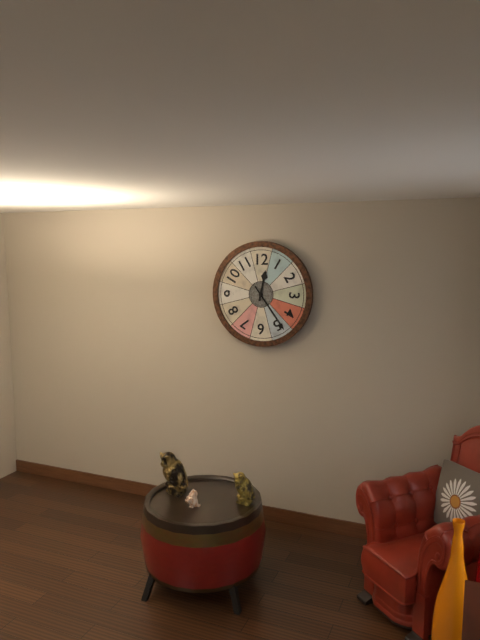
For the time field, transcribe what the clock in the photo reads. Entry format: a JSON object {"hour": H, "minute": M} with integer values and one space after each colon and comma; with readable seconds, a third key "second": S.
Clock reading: {"hour": 12, "minute": 24}
